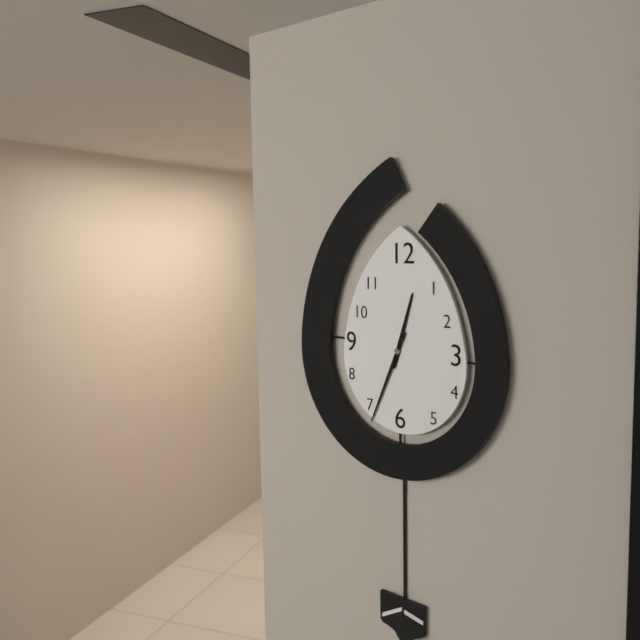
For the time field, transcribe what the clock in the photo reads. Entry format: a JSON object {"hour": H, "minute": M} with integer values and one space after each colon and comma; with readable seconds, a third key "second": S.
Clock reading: {"hour": 12, "minute": 34}
